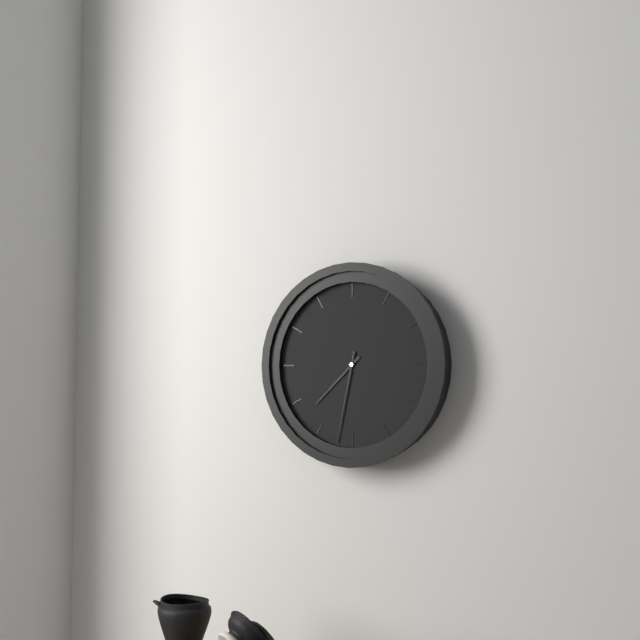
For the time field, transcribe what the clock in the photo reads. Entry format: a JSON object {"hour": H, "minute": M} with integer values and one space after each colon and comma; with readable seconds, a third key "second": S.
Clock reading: {"hour": 7, "minute": 32}
